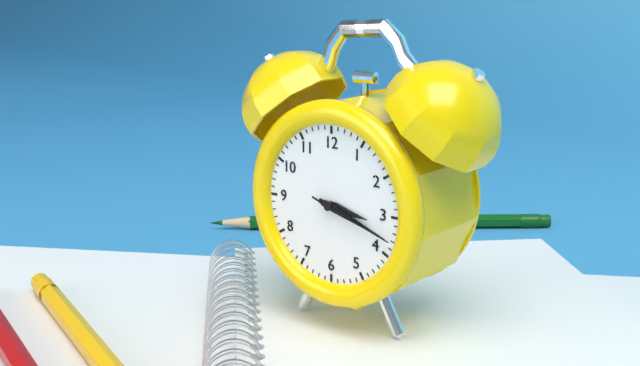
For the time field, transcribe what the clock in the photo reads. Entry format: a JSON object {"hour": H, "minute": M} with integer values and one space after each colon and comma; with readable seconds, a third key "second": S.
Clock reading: {"hour": 3, "minute": 18, "second": 18}
